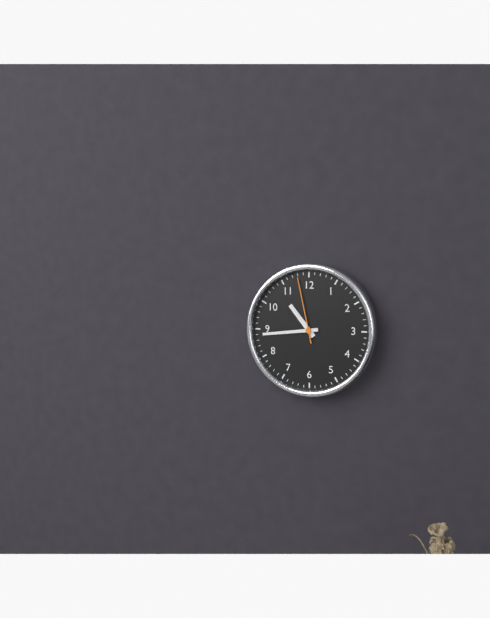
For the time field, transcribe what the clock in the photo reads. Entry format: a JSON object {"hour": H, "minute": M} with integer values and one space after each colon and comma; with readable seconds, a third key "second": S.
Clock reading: {"hour": 10, "minute": 44, "second": 58}
